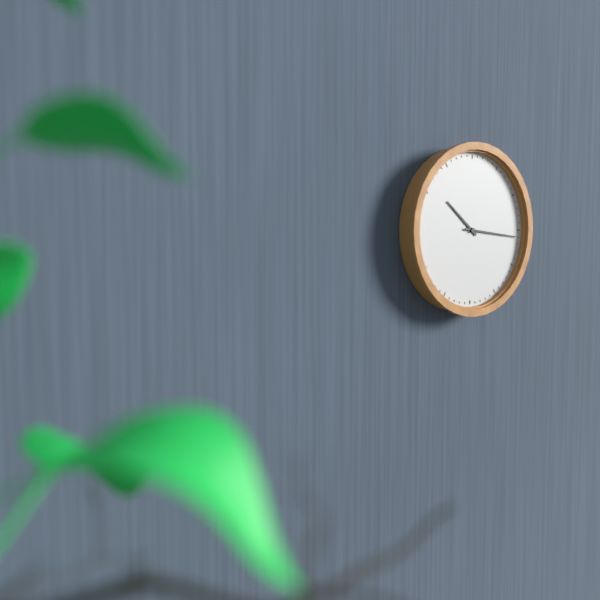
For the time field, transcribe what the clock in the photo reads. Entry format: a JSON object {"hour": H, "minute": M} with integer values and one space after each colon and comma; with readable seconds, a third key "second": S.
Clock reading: {"hour": 10, "minute": 16}
